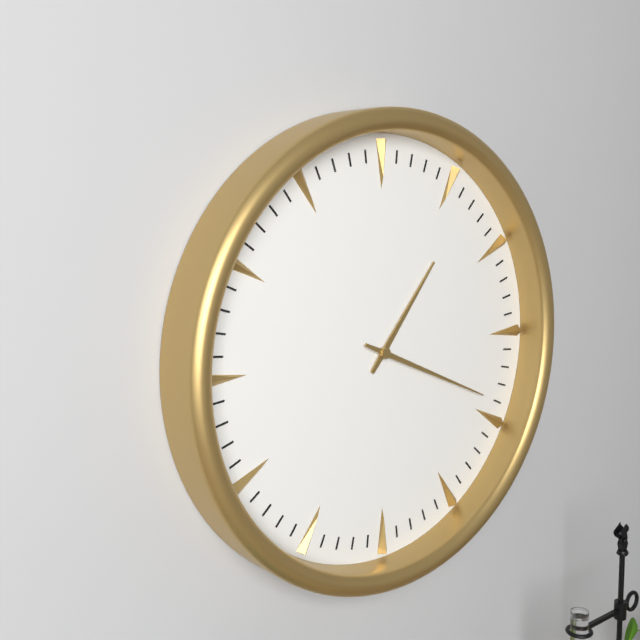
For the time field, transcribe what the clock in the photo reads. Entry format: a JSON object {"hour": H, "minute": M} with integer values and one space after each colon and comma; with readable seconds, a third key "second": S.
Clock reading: {"hour": 1, "minute": 19}
